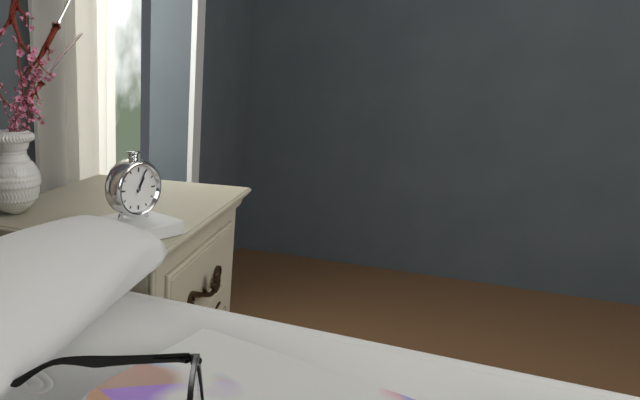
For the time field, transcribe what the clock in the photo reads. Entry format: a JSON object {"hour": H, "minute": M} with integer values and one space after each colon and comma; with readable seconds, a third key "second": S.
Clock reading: {"hour": 1, "minute": 4}
